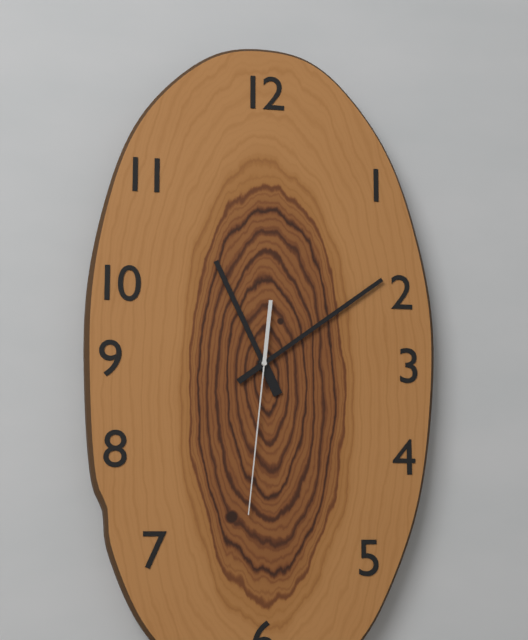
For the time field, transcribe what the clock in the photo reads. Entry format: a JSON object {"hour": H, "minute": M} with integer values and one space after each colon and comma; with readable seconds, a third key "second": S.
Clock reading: {"hour": 11, "minute": 9, "second": 31}
